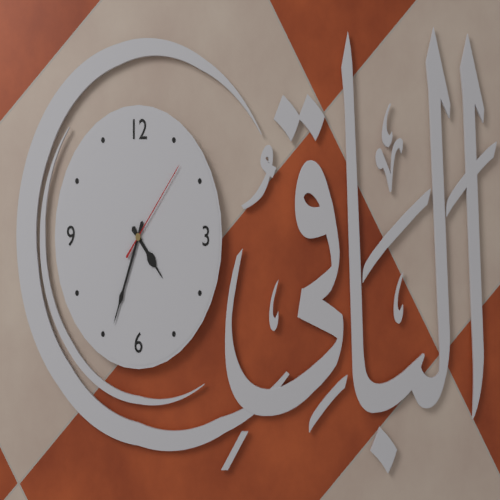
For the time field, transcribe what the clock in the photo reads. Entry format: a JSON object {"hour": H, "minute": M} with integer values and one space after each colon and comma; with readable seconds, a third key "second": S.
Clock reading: {"hour": 4, "minute": 34, "second": 7}
